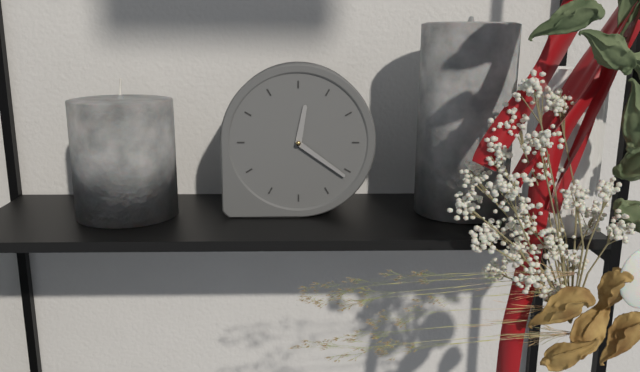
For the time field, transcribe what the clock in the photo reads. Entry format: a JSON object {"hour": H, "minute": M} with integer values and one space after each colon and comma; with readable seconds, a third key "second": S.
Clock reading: {"hour": 12, "minute": 21}
